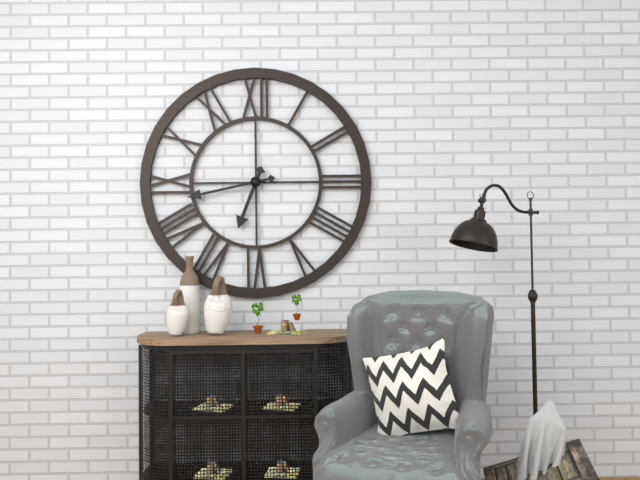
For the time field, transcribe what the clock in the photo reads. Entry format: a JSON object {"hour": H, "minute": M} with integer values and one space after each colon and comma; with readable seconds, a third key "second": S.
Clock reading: {"hour": 6, "minute": 43}
